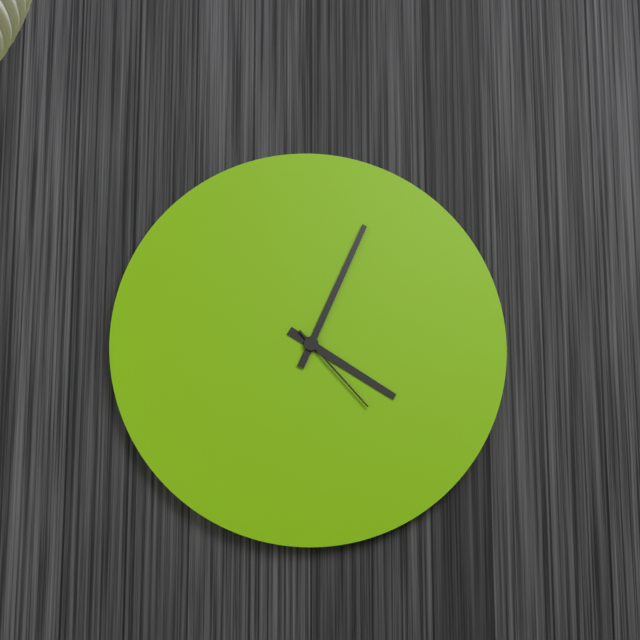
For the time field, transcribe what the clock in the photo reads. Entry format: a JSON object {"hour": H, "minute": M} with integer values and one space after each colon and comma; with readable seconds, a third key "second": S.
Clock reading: {"hour": 4, "minute": 4, "second": 23}
